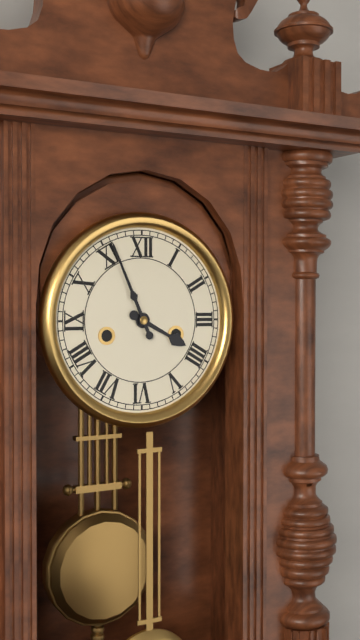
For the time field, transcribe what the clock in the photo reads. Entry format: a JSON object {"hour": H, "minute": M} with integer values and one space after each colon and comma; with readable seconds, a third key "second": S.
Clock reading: {"hour": 3, "minute": 56}
